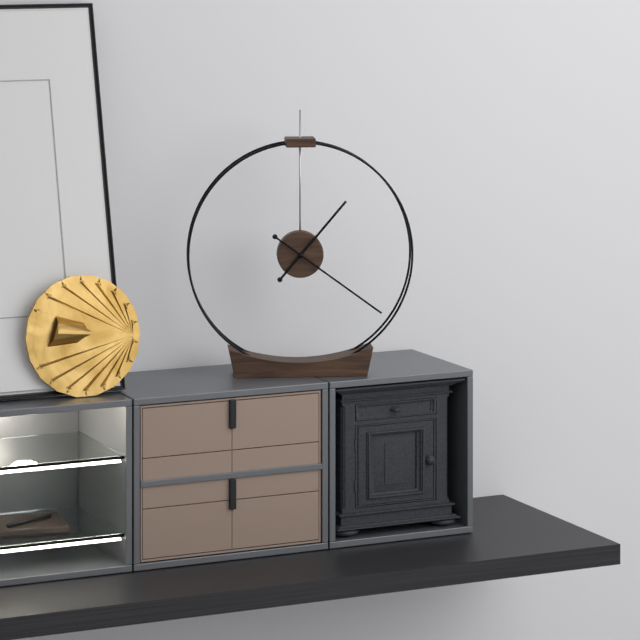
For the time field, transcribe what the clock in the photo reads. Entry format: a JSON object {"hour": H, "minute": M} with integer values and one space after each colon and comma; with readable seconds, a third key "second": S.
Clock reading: {"hour": 1, "minute": 21}
